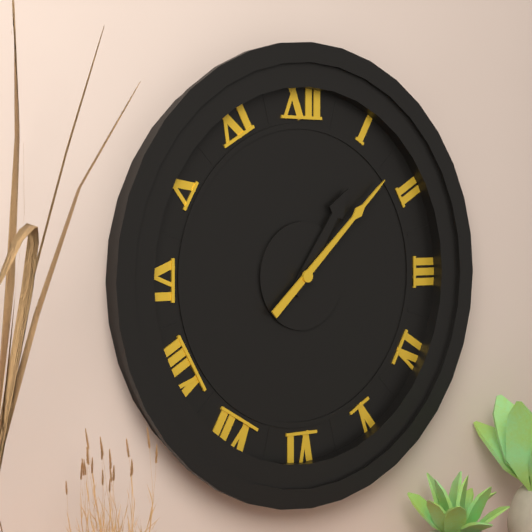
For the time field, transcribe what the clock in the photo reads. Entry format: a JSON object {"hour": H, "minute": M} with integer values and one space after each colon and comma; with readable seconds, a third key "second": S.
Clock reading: {"hour": 1, "minute": 8}
